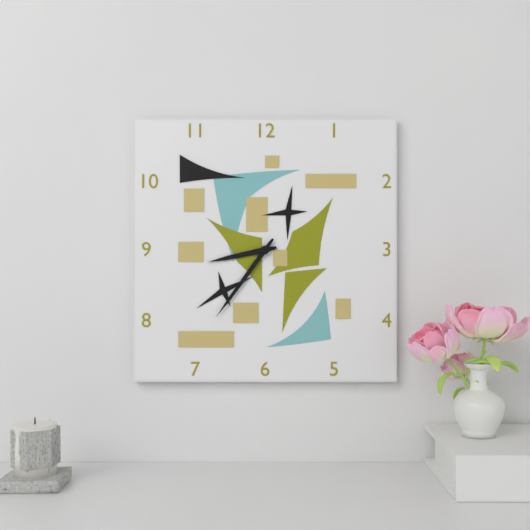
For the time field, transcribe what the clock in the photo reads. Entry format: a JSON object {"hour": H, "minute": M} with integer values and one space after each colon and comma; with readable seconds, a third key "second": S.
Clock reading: {"hour": 8, "minute": 36}
